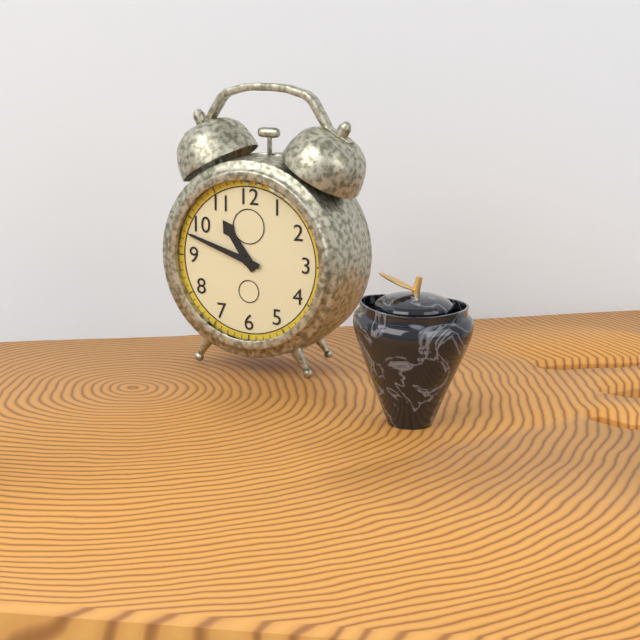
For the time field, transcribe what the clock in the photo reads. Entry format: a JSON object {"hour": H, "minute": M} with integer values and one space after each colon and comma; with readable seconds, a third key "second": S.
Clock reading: {"hour": 10, "minute": 48}
